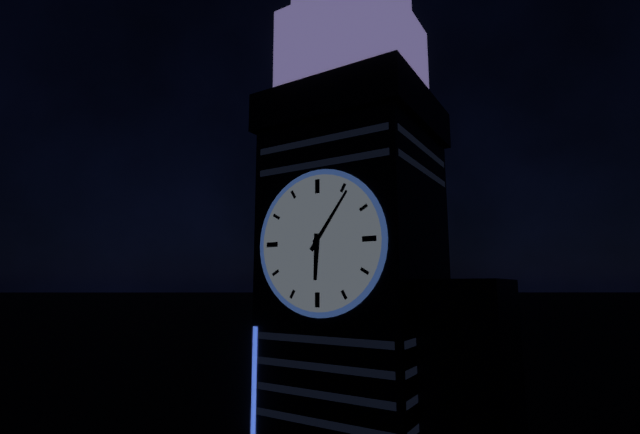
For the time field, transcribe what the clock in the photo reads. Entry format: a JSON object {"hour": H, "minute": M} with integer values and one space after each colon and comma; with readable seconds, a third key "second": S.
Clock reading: {"hour": 6, "minute": 6}
